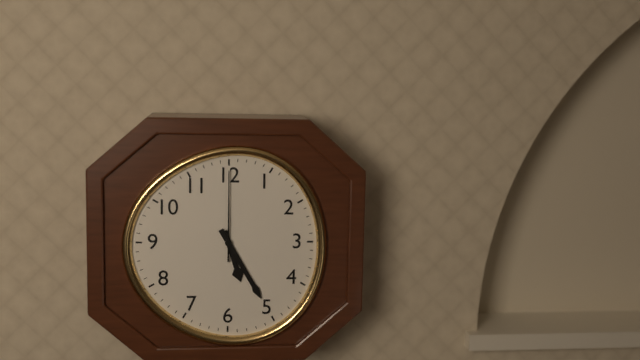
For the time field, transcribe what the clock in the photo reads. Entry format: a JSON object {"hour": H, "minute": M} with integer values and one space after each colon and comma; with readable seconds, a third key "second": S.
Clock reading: {"hour": 5, "minute": 25, "second": 0}
